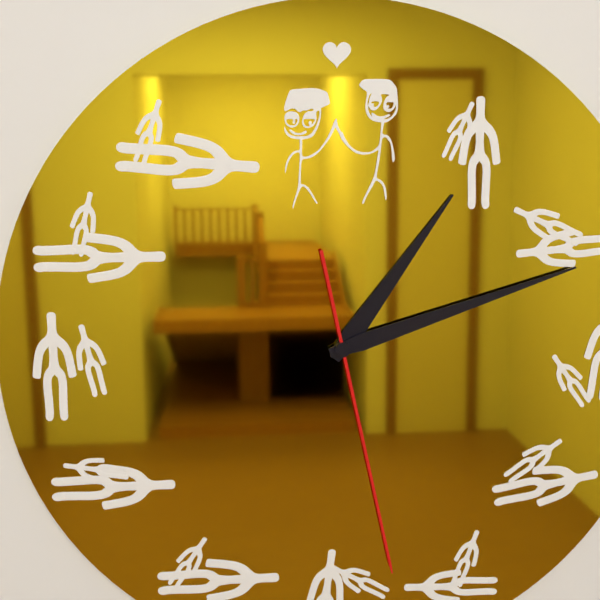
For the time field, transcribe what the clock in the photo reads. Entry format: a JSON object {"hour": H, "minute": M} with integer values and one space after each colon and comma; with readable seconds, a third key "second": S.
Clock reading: {"hour": 1, "minute": 12, "second": 28}
